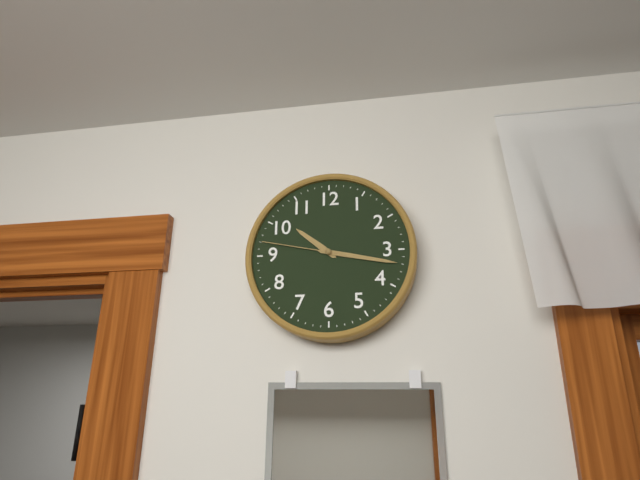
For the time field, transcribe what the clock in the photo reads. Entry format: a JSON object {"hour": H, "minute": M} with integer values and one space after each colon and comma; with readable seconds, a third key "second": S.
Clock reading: {"hour": 10, "minute": 17, "second": 47}
